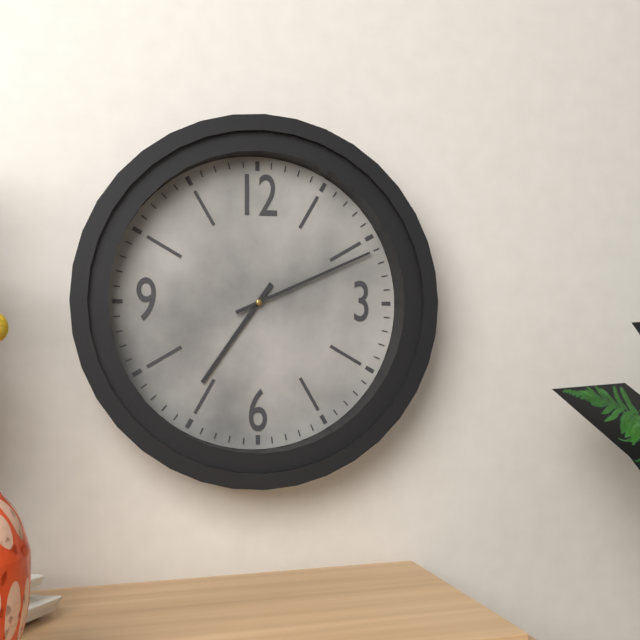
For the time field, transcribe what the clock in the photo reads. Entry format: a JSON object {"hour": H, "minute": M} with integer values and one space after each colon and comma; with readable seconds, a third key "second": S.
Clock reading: {"hour": 7, "minute": 11}
